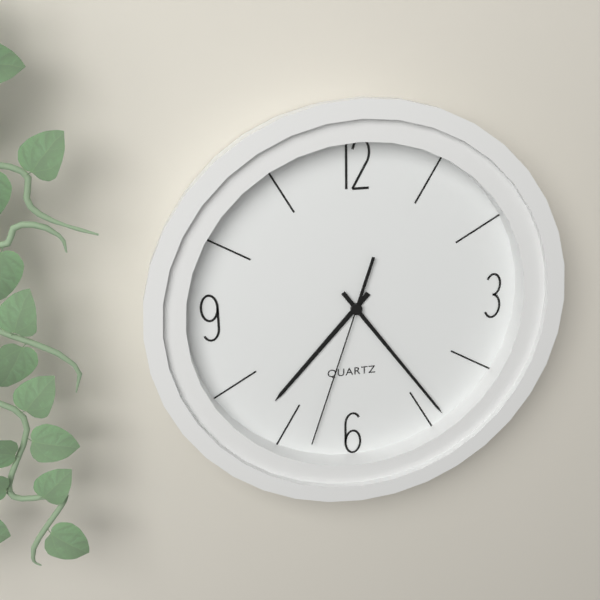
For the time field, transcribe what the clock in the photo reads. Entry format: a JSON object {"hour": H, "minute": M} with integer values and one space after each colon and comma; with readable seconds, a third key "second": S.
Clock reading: {"hour": 7, "minute": 24, "second": 33}
